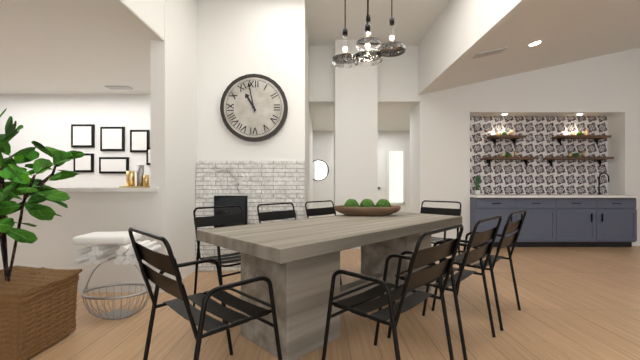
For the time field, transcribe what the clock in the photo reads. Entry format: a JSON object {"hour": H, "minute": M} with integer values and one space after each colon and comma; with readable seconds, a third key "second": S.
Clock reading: {"hour": 10, "minute": 58}
